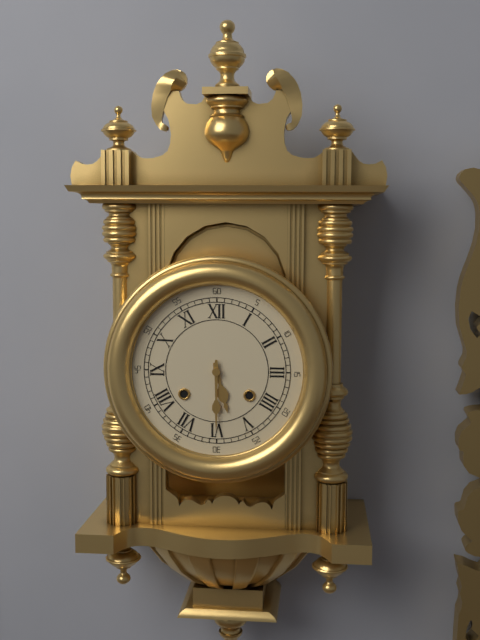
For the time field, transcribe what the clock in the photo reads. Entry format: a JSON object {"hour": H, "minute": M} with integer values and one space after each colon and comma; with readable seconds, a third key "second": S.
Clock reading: {"hour": 5, "minute": 30}
